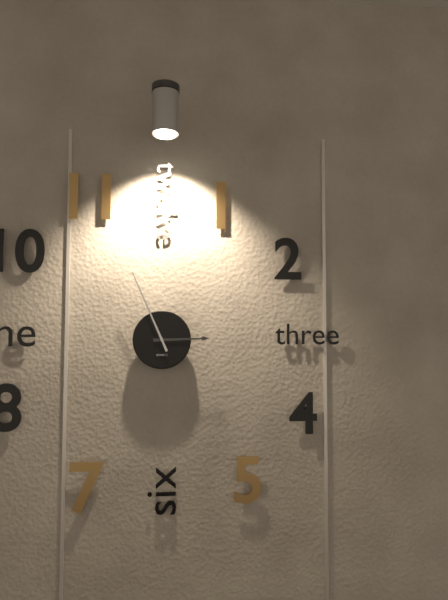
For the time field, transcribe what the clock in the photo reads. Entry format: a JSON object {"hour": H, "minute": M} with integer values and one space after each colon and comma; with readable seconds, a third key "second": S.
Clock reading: {"hour": 2, "minute": 56}
